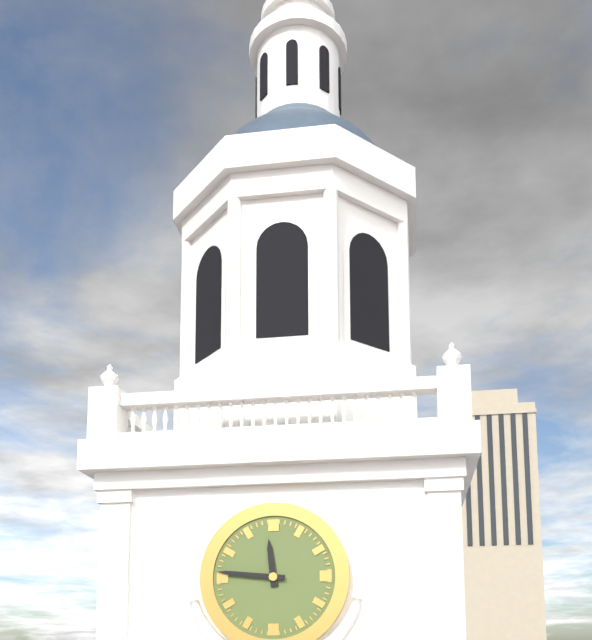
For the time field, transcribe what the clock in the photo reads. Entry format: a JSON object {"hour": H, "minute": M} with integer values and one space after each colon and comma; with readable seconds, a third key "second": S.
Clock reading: {"hour": 11, "minute": 46}
